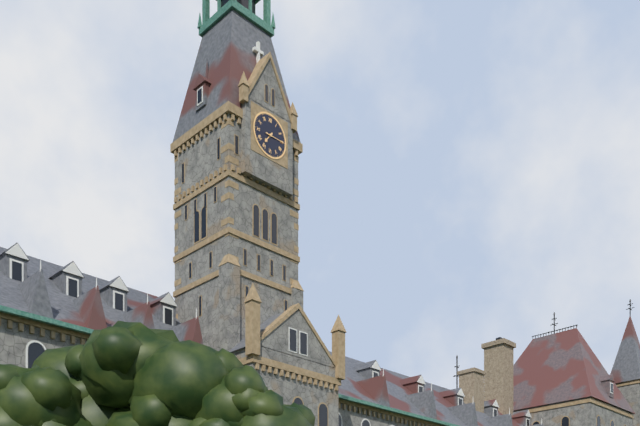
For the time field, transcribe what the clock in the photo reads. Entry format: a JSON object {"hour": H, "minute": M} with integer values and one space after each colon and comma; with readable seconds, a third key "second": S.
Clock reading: {"hour": 7, "minute": 15}
